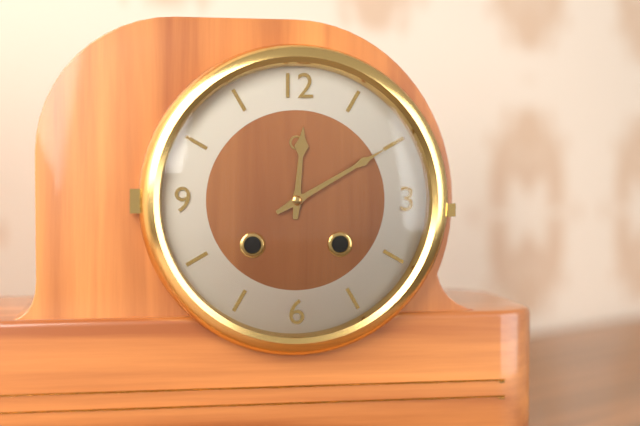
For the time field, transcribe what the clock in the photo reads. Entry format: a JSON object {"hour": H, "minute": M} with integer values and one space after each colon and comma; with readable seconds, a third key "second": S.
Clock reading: {"hour": 12, "minute": 10}
